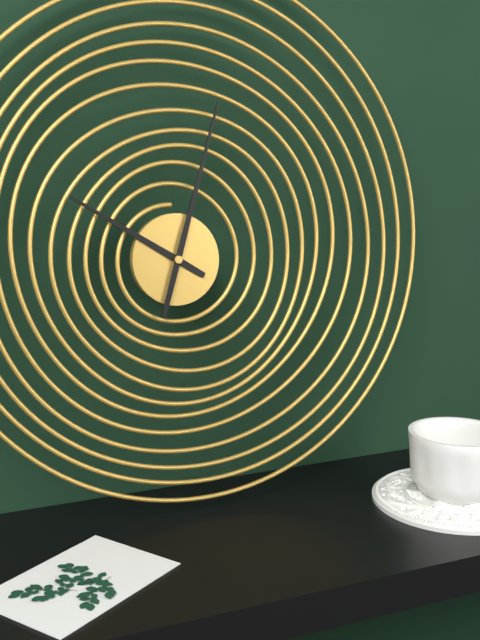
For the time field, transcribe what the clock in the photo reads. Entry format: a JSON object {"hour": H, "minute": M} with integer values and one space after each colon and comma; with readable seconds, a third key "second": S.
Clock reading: {"hour": 10, "minute": 3}
